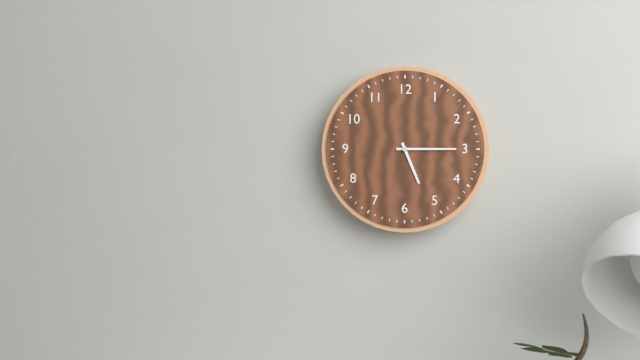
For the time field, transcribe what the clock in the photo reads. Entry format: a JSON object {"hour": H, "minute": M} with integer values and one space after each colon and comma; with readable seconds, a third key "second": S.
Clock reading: {"hour": 5, "minute": 15}
